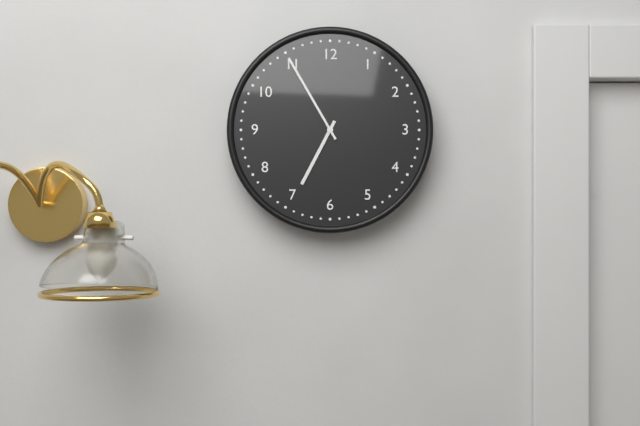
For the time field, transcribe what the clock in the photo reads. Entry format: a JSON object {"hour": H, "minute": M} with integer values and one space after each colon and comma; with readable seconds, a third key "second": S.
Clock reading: {"hour": 6, "minute": 55}
